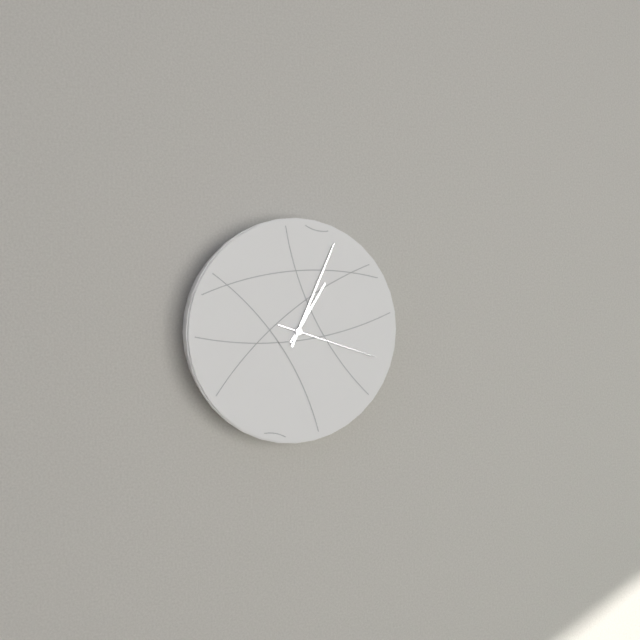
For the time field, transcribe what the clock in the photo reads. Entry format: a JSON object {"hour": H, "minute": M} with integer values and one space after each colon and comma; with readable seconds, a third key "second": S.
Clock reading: {"hour": 1, "minute": 4, "second": 18}
